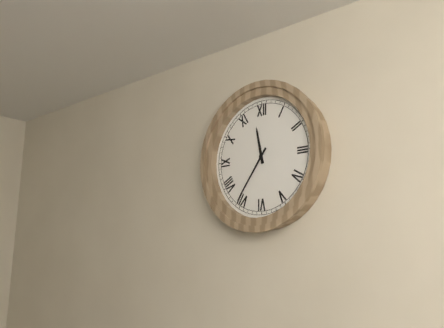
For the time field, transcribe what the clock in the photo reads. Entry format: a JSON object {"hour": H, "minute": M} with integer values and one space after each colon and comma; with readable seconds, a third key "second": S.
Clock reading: {"hour": 11, "minute": 36}
